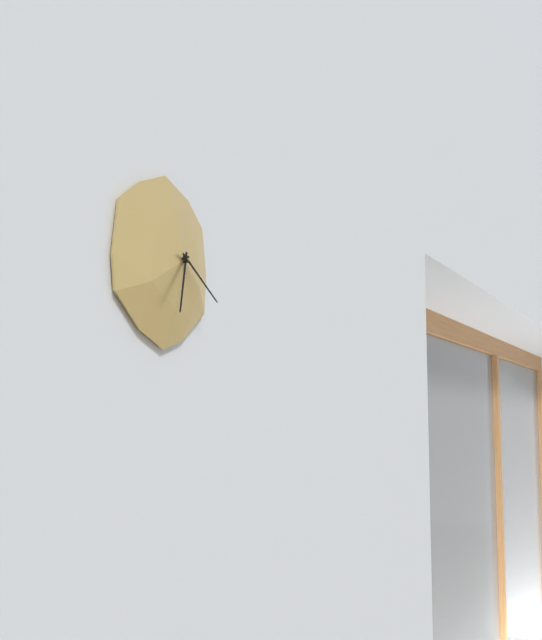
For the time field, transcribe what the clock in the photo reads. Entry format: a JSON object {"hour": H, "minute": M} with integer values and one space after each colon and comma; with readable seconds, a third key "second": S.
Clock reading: {"hour": 6, "minute": 20}
